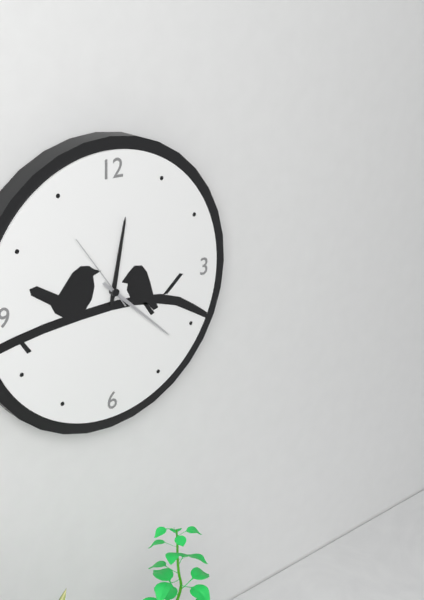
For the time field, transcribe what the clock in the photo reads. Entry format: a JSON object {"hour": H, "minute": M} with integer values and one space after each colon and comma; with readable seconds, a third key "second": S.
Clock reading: {"hour": 12, "minute": 22, "second": 54}
